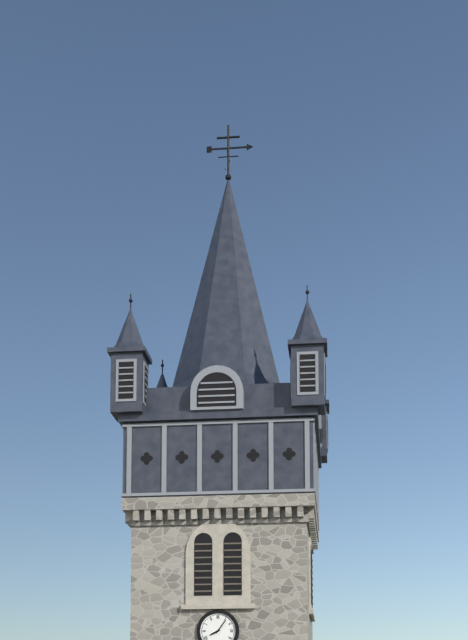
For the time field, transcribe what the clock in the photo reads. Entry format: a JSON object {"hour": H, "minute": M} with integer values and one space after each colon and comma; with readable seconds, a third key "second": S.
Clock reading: {"hour": 8, "minute": 6}
